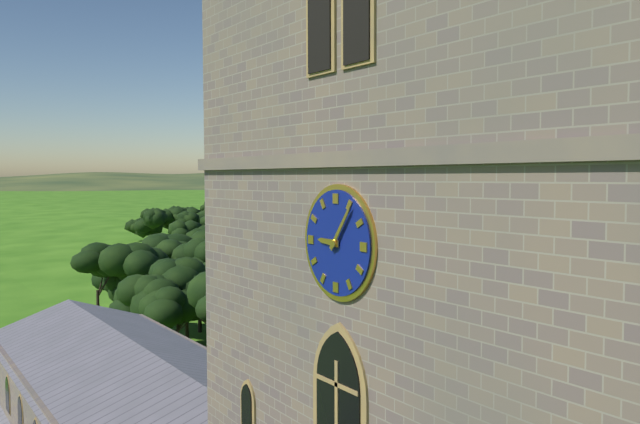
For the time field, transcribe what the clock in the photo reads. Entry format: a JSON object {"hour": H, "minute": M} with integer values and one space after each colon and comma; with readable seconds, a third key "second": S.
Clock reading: {"hour": 9, "minute": 6}
